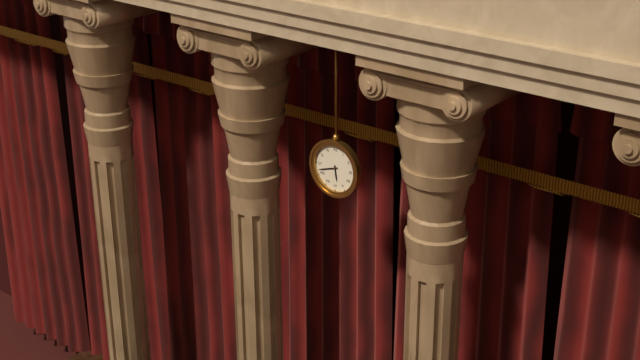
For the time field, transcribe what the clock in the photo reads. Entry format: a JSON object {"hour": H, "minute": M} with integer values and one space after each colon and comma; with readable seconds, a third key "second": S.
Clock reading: {"hour": 5, "minute": 42}
